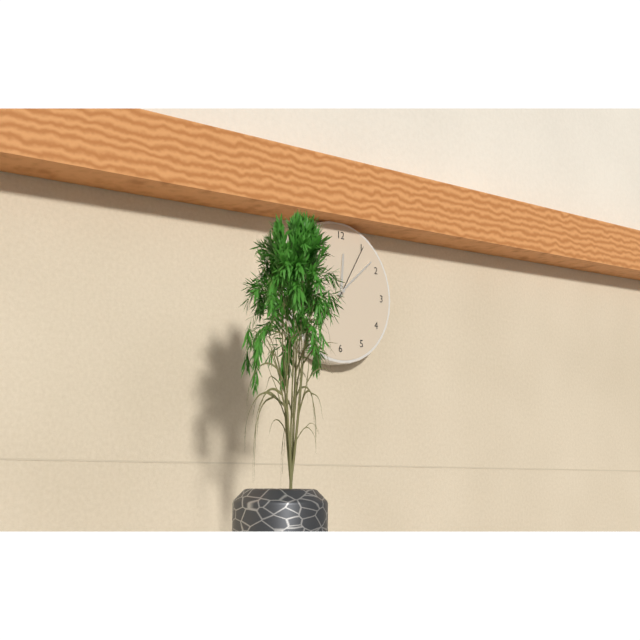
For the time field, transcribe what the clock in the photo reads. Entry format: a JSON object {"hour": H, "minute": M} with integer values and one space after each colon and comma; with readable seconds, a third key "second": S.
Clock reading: {"hour": 12, "minute": 8, "second": 5}
